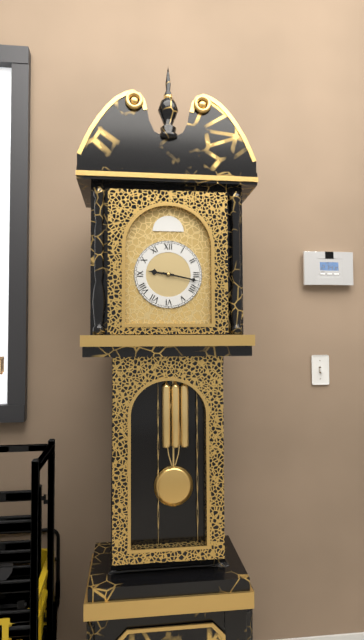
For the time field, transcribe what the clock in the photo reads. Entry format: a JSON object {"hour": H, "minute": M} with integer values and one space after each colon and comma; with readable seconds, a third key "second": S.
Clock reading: {"hour": 9, "minute": 17}
